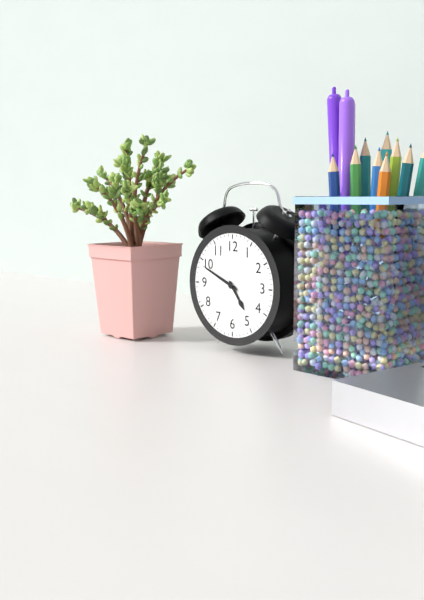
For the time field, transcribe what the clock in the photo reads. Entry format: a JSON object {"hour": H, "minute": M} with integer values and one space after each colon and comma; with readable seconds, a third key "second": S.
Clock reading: {"hour": 4, "minute": 49}
